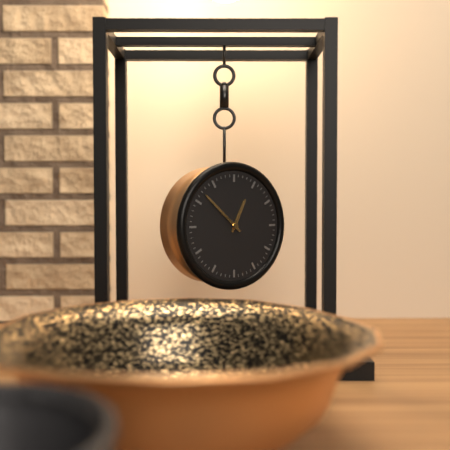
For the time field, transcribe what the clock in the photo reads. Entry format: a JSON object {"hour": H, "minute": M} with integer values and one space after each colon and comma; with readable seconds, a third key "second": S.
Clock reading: {"hour": 12, "minute": 52}
